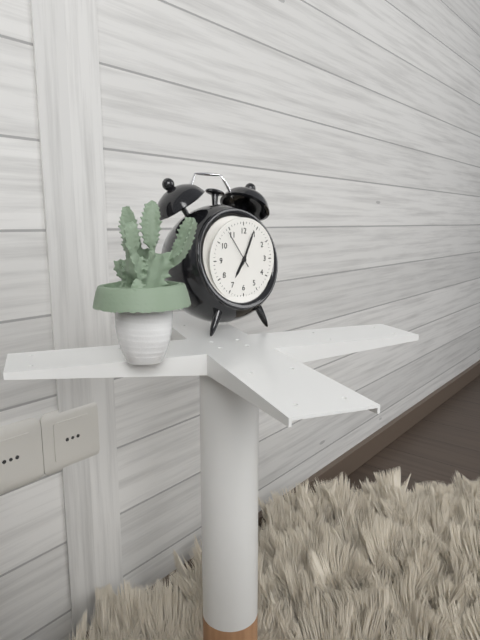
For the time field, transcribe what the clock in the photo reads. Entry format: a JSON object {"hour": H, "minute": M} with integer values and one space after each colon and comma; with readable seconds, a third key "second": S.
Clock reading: {"hour": 7, "minute": 4}
